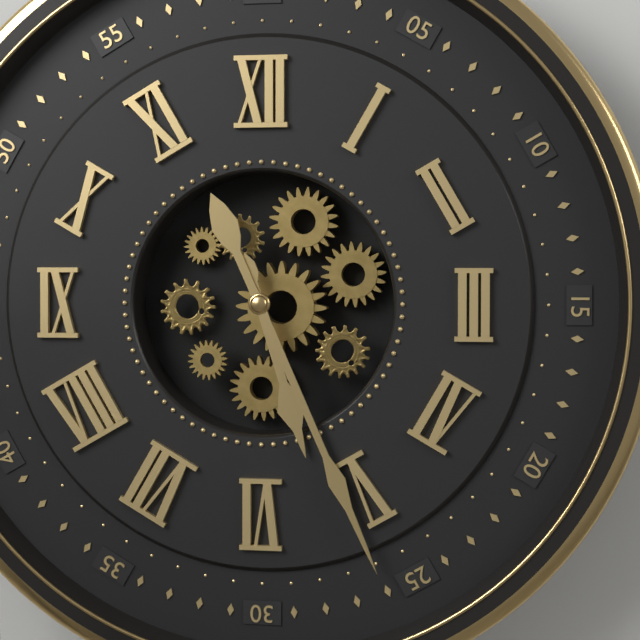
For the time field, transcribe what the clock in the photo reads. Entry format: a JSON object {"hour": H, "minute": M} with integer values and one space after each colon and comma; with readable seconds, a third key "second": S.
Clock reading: {"hour": 5, "minute": 26}
